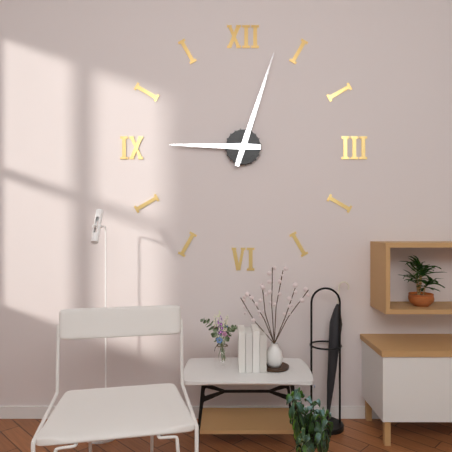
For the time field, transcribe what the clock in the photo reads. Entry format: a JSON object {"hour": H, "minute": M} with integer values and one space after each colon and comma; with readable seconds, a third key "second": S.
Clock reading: {"hour": 9, "minute": 3}
